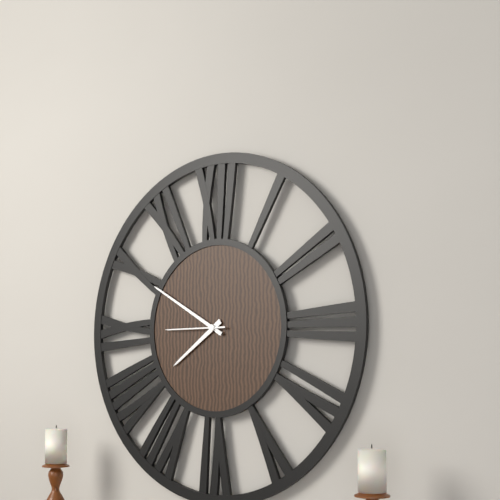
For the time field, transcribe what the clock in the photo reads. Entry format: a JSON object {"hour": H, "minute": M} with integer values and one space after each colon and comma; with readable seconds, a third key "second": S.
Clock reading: {"hour": 7, "minute": 50, "second": 45}
